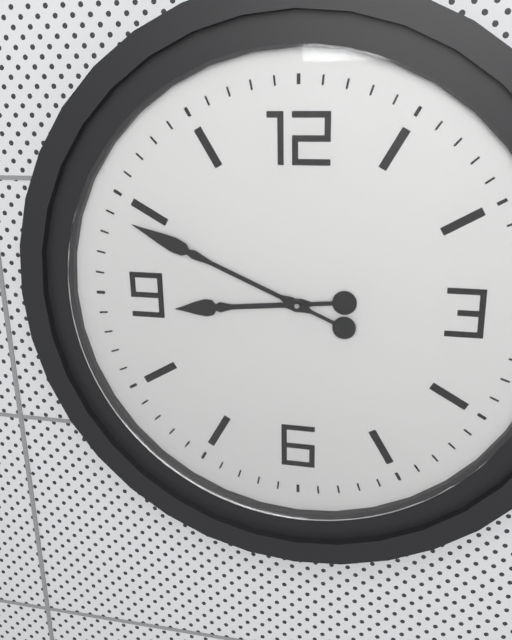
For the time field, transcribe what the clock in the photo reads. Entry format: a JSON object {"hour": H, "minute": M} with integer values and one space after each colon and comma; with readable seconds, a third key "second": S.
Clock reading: {"hour": 8, "minute": 49}
